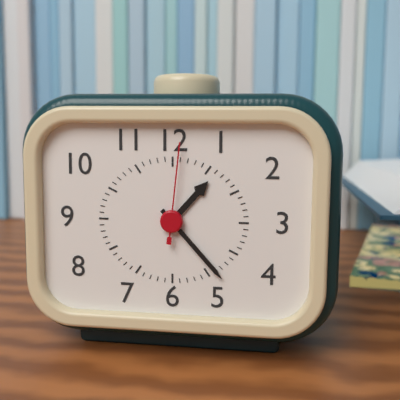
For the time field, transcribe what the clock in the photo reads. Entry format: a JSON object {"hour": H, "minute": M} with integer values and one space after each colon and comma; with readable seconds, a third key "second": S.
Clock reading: {"hour": 1, "minute": 23, "second": 1}
